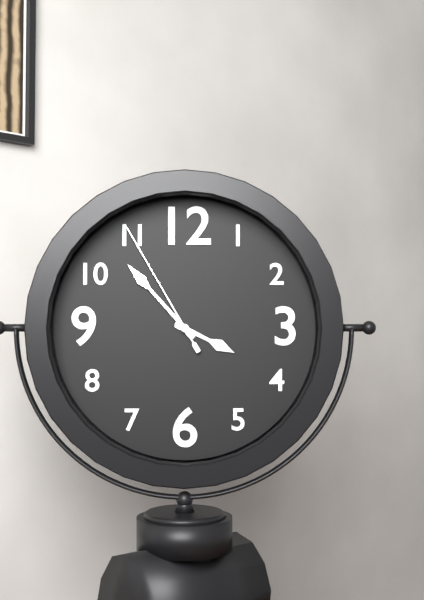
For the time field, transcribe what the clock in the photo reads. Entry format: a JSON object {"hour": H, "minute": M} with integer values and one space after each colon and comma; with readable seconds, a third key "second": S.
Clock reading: {"hour": 3, "minute": 53, "second": 55}
